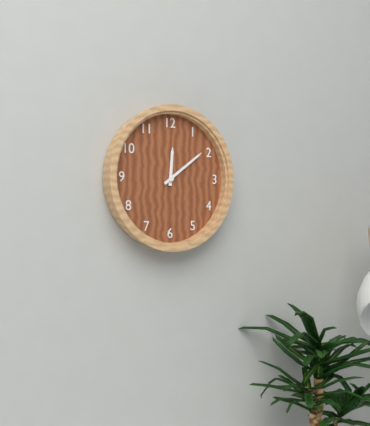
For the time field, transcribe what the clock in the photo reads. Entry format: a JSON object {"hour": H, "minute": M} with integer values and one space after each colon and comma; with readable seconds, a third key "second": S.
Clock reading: {"hour": 12, "minute": 9}
